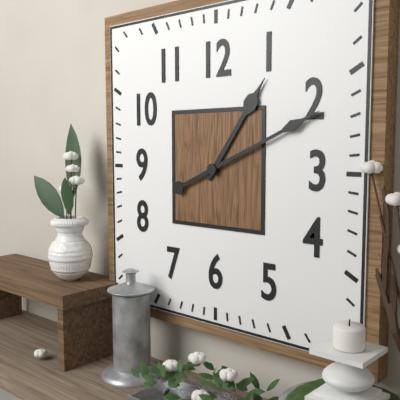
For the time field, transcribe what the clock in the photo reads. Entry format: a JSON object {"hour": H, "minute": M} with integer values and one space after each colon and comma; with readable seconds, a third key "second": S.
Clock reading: {"hour": 1, "minute": 11}
